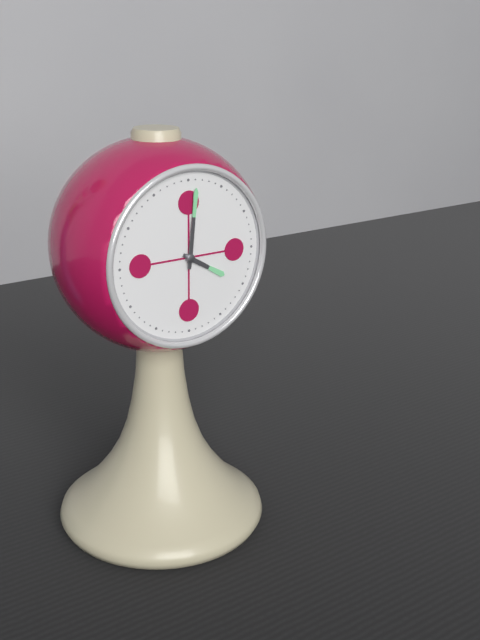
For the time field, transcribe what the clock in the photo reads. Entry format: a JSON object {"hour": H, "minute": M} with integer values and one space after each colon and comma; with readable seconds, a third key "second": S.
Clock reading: {"hour": 4, "minute": 1}
